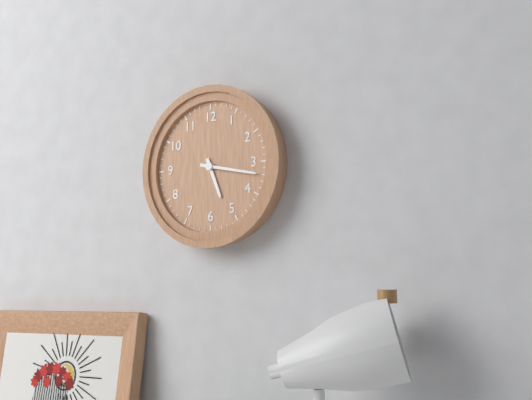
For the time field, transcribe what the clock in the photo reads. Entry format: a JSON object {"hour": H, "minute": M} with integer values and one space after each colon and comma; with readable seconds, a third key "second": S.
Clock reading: {"hour": 5, "minute": 17}
